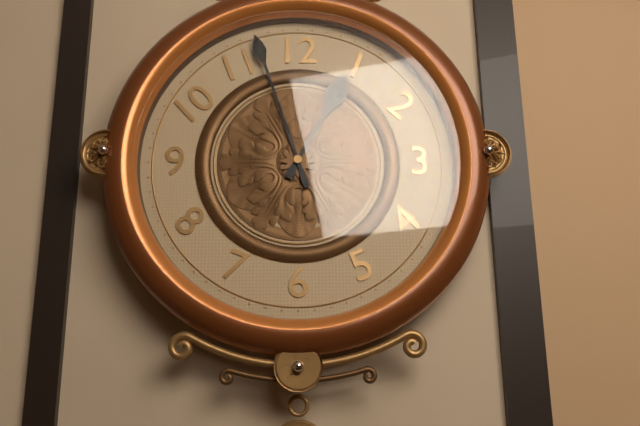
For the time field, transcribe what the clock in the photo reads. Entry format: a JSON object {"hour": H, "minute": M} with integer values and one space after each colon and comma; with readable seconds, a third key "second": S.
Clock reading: {"hour": 12, "minute": 57}
